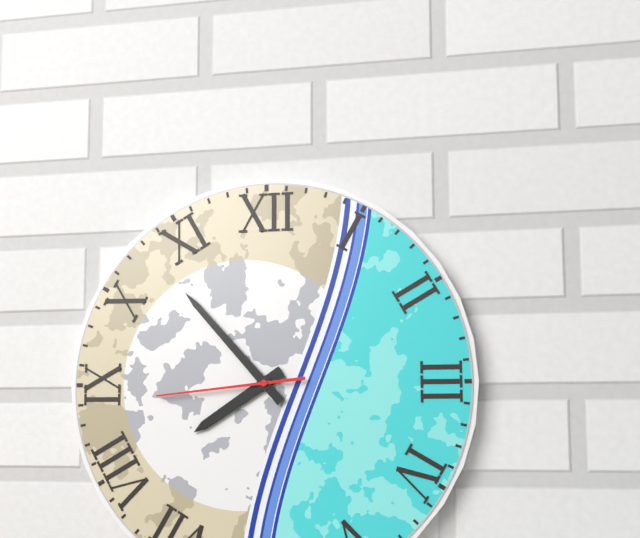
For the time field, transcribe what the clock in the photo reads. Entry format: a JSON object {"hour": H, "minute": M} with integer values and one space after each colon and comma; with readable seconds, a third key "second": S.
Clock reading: {"hour": 7, "minute": 53, "second": 44}
